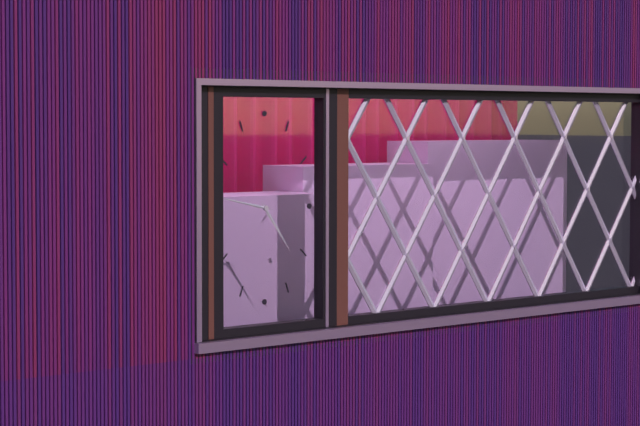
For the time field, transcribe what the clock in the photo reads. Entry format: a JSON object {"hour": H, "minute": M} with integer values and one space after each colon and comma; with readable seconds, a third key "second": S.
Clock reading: {"hour": 4, "minute": 47}
